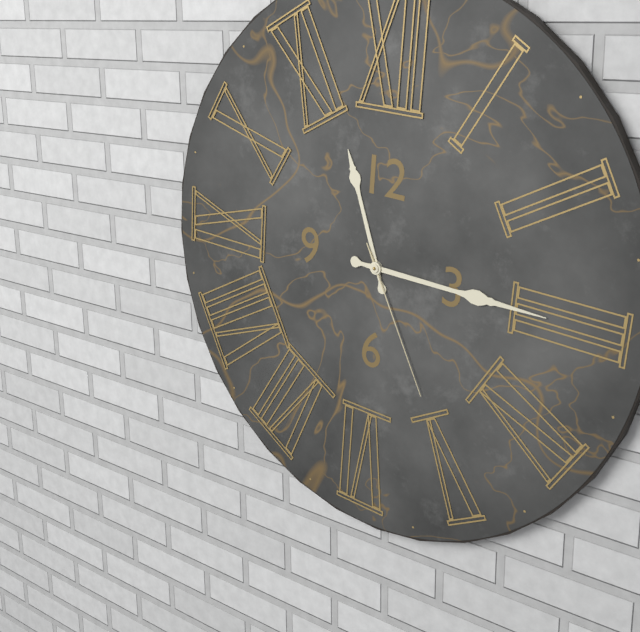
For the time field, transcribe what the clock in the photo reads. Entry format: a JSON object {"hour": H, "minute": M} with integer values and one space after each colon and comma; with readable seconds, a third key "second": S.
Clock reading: {"hour": 11, "minute": 15, "second": 25}
